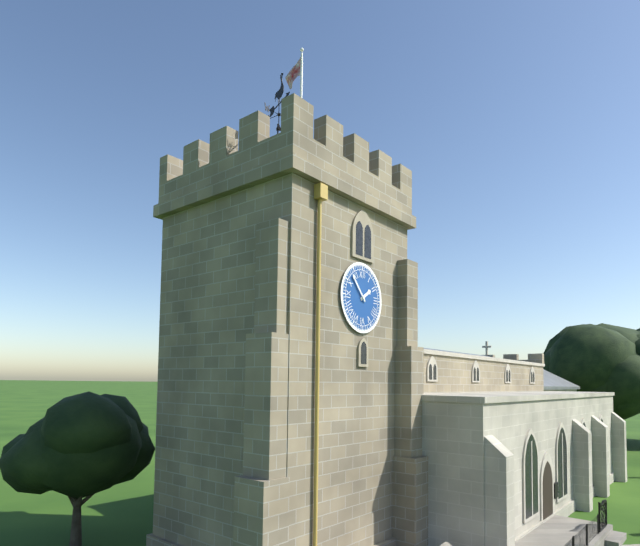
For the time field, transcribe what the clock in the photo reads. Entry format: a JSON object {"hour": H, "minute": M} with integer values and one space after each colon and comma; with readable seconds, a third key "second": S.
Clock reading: {"hour": 1, "minute": 53}
